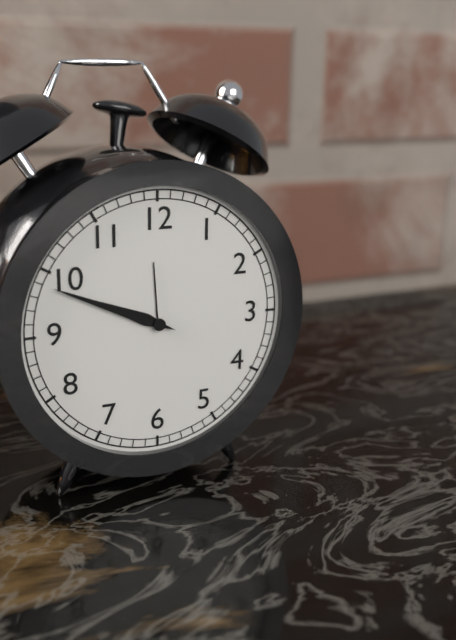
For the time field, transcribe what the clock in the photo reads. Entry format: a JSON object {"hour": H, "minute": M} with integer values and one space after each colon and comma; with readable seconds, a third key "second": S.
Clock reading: {"hour": 9, "minute": 49}
